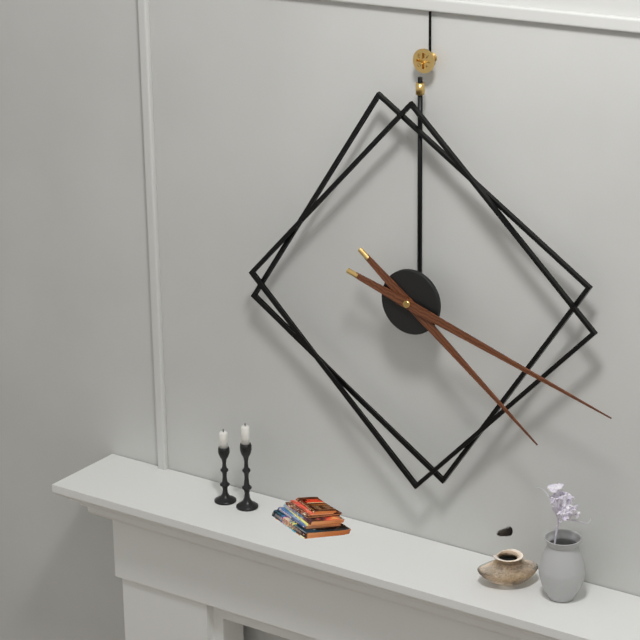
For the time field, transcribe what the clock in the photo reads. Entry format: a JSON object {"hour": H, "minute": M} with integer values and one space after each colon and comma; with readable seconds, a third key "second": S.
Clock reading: {"hour": 4, "minute": 18}
